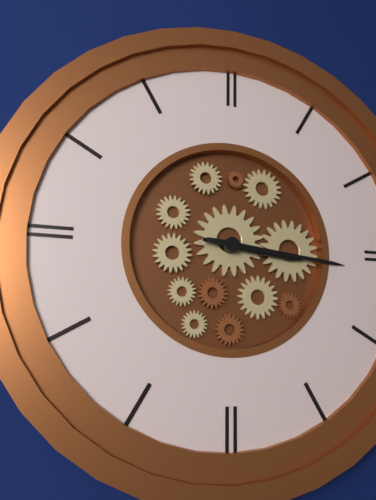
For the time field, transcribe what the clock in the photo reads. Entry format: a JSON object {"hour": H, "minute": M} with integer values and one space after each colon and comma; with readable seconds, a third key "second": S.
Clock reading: {"hour": 3, "minute": 16}
